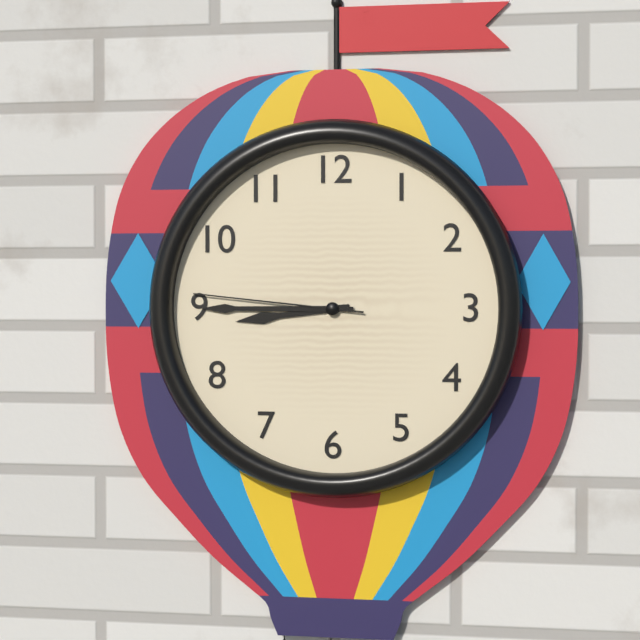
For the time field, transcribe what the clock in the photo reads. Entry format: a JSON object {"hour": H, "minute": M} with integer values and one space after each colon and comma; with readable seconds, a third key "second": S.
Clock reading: {"hour": 8, "minute": 45, "second": 46}
